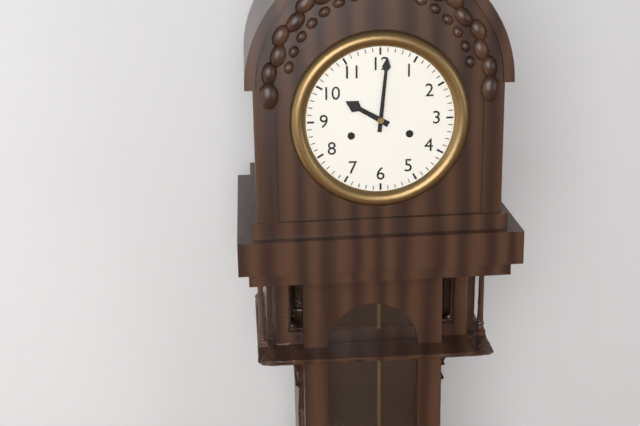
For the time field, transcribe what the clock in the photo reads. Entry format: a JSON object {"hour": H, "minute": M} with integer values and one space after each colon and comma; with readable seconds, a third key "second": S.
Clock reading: {"hour": 10, "minute": 1}
